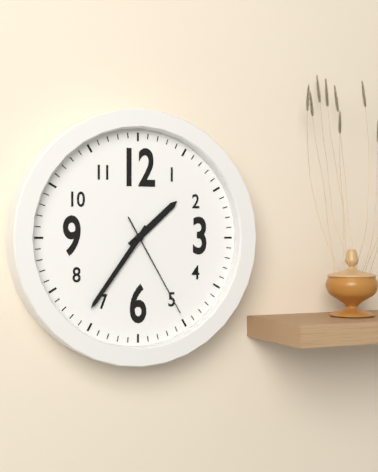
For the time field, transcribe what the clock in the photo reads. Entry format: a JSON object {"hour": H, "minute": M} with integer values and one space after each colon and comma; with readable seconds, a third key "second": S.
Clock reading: {"hour": 1, "minute": 36, "second": 25}
